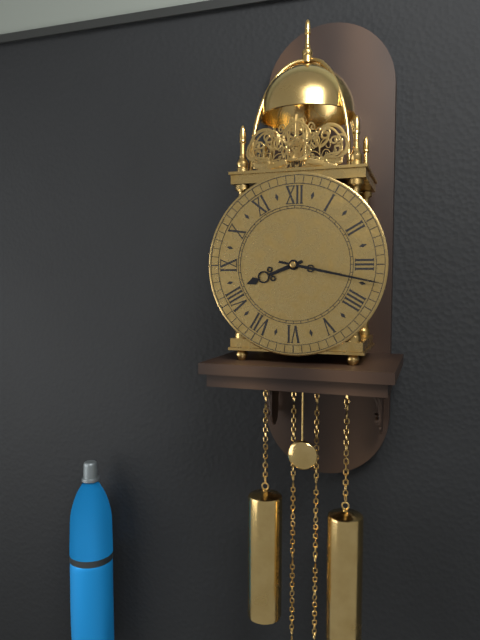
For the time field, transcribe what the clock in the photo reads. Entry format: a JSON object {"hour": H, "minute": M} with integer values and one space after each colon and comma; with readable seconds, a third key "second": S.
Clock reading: {"hour": 8, "minute": 17}
